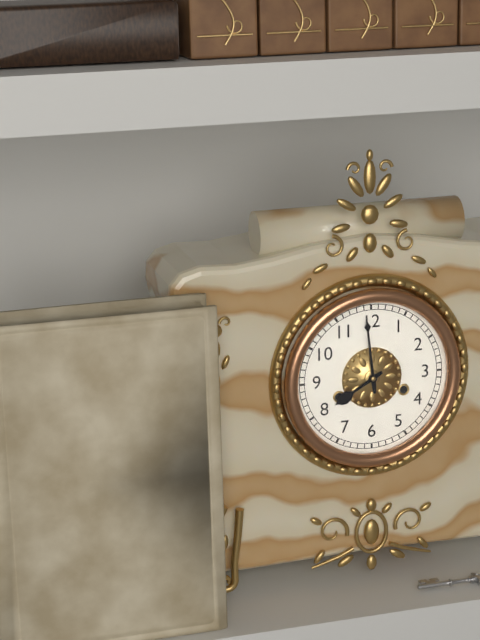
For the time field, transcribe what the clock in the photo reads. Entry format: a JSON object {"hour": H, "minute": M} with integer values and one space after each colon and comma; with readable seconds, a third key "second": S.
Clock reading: {"hour": 7, "minute": 59}
